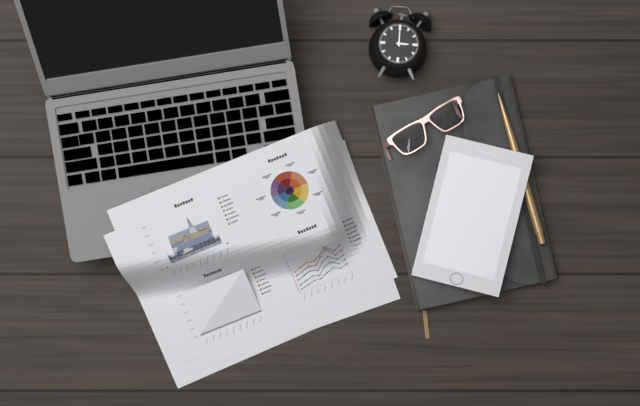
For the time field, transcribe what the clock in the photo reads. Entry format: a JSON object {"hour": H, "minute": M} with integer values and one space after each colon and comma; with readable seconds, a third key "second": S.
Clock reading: {"hour": 3, "minute": 0}
